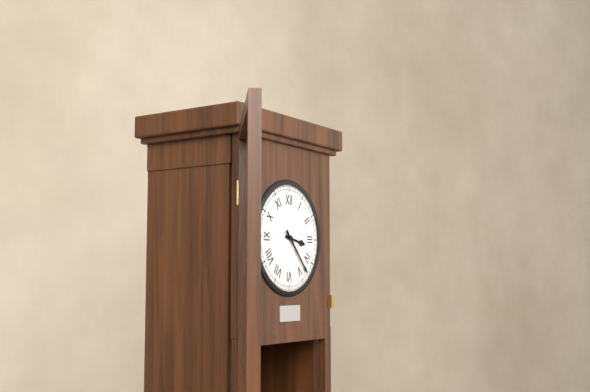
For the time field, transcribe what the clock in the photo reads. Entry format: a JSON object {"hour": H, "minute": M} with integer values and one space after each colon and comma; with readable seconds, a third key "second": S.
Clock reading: {"hour": 3, "minute": 23}
